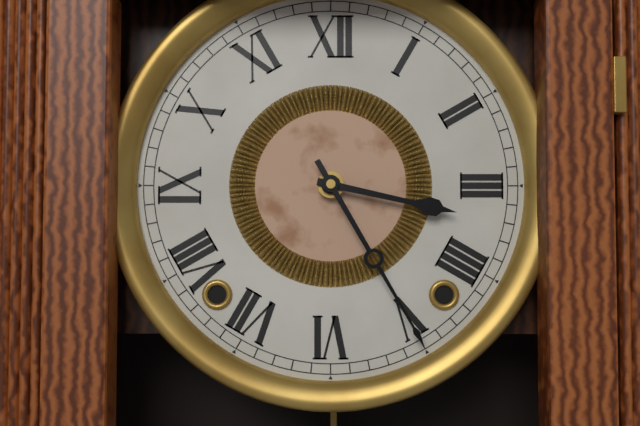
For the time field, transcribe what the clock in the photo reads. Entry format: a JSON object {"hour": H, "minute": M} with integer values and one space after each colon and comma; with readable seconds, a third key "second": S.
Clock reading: {"hour": 3, "minute": 25}
